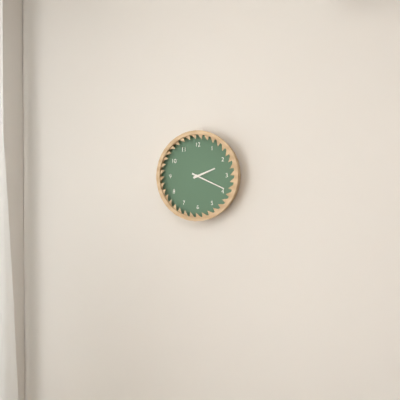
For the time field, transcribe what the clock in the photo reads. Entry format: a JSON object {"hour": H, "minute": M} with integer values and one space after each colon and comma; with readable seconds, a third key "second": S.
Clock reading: {"hour": 2, "minute": 19}
